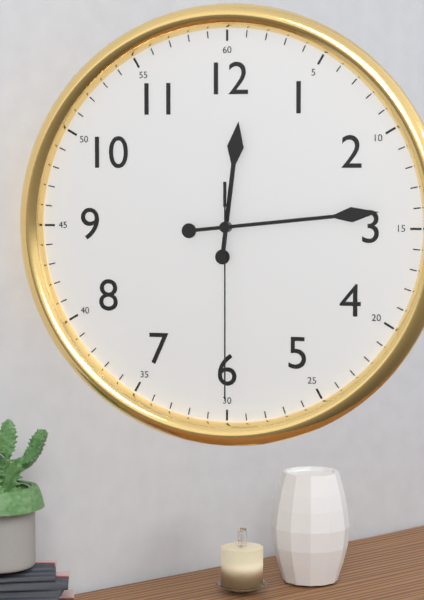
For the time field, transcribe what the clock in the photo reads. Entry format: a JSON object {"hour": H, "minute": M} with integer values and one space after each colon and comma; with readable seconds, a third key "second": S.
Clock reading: {"hour": 12, "minute": 14, "second": 30}
